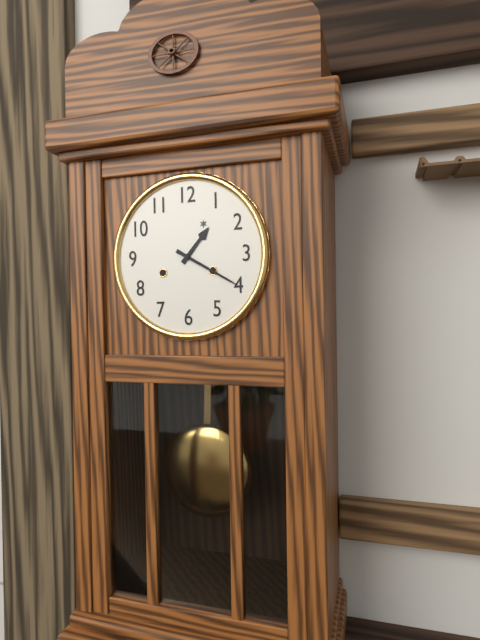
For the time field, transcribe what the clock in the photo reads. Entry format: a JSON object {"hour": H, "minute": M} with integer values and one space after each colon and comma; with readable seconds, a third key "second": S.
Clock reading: {"hour": 1, "minute": 20}
